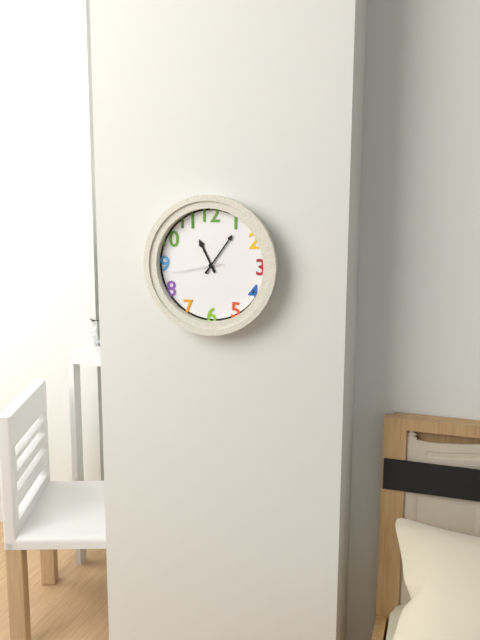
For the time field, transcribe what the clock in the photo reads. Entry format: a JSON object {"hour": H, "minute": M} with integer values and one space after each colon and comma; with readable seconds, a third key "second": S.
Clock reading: {"hour": 11, "minute": 6, "second": 43}
